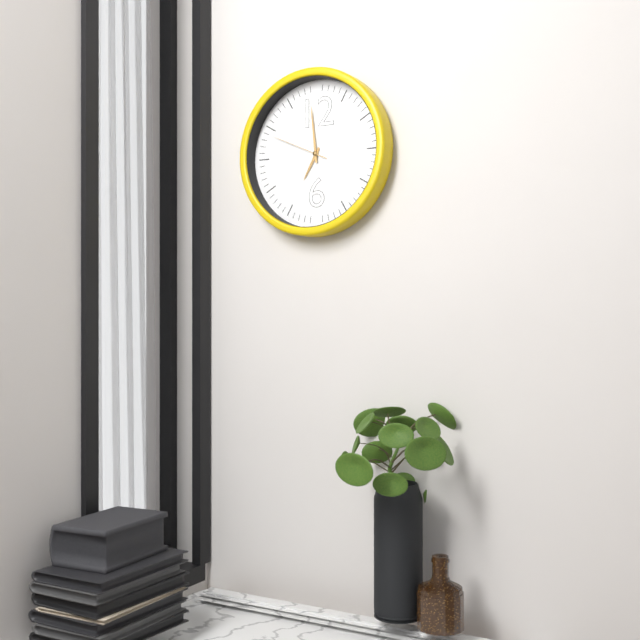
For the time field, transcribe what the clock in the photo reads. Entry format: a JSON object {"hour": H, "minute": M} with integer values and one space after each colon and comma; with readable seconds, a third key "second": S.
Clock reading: {"hour": 6, "minute": 59, "second": 49}
